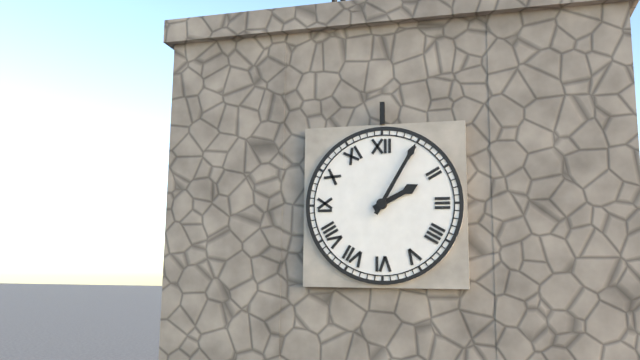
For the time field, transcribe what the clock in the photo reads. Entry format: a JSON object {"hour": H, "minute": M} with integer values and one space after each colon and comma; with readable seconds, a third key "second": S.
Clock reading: {"hour": 2, "minute": 5}
